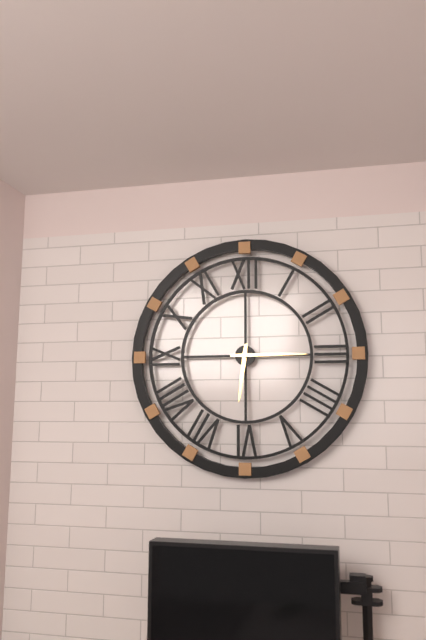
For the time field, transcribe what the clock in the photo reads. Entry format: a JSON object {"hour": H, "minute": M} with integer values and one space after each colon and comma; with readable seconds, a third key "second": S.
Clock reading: {"hour": 6, "minute": 15}
